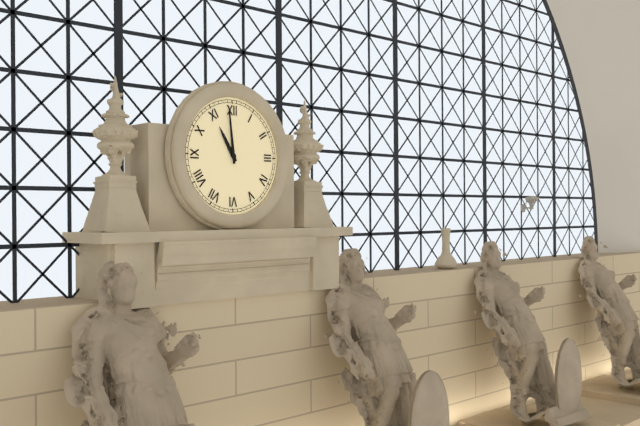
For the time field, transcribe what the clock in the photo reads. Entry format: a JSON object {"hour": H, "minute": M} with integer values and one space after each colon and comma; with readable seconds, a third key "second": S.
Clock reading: {"hour": 10, "minute": 59}
